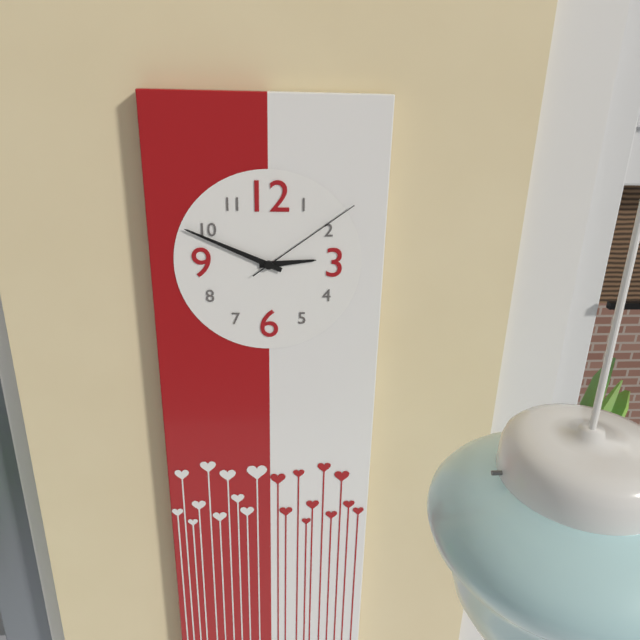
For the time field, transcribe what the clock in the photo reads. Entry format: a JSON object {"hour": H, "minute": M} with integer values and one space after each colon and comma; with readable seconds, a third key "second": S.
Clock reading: {"hour": 2, "minute": 49, "second": 9}
